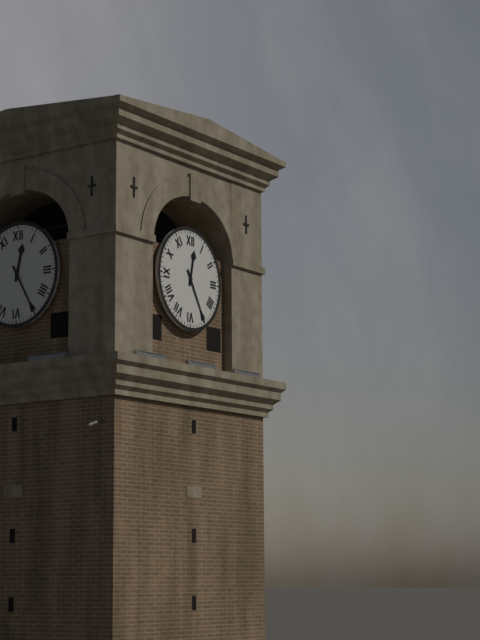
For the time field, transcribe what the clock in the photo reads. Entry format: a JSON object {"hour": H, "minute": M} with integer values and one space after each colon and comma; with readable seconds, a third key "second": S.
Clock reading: {"hour": 12, "minute": 25}
